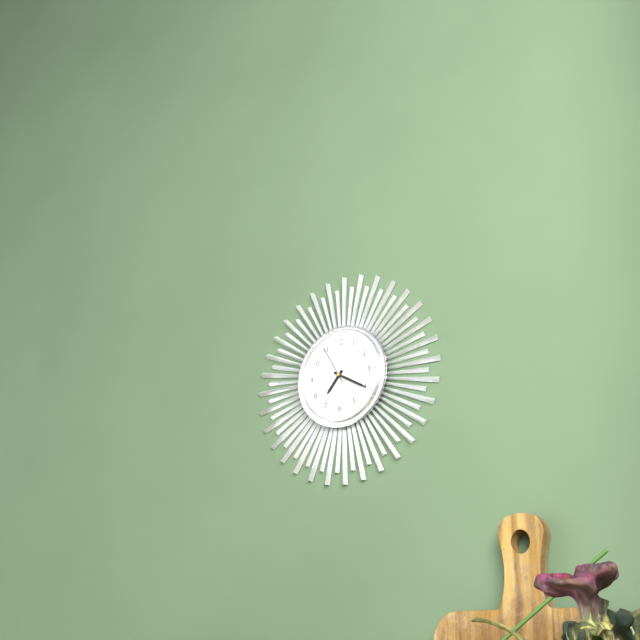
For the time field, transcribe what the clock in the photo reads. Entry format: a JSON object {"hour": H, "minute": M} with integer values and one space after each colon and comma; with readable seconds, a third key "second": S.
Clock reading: {"hour": 7, "minute": 20}
